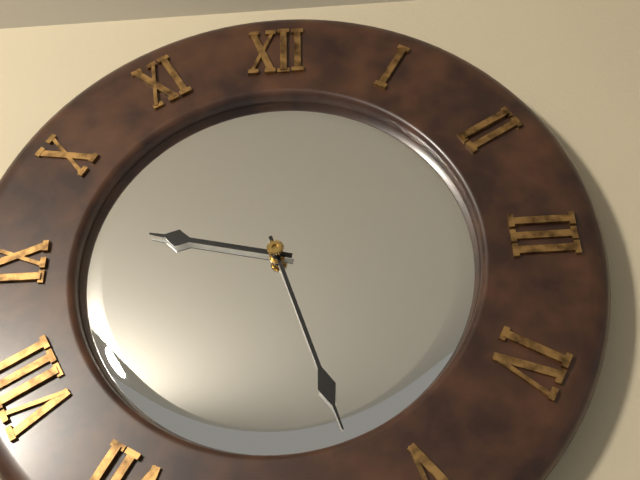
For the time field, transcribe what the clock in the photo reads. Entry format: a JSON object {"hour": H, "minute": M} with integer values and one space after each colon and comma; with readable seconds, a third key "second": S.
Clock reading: {"hour": 9, "minute": 27}
